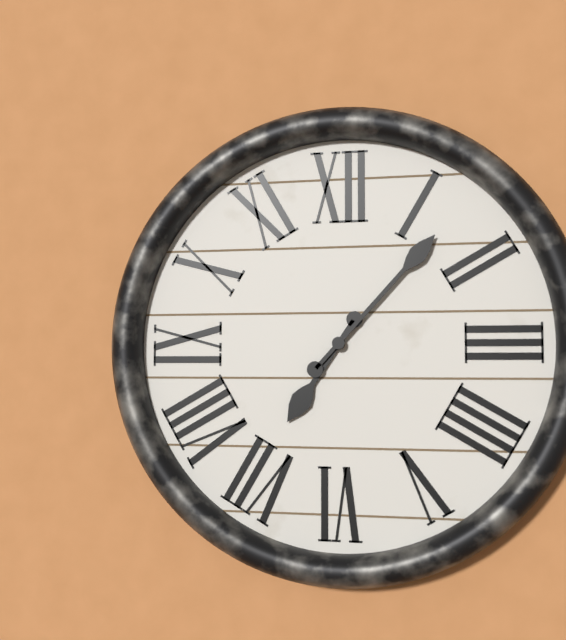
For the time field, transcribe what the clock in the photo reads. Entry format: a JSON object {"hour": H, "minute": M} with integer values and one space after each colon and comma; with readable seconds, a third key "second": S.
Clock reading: {"hour": 7, "minute": 7}
